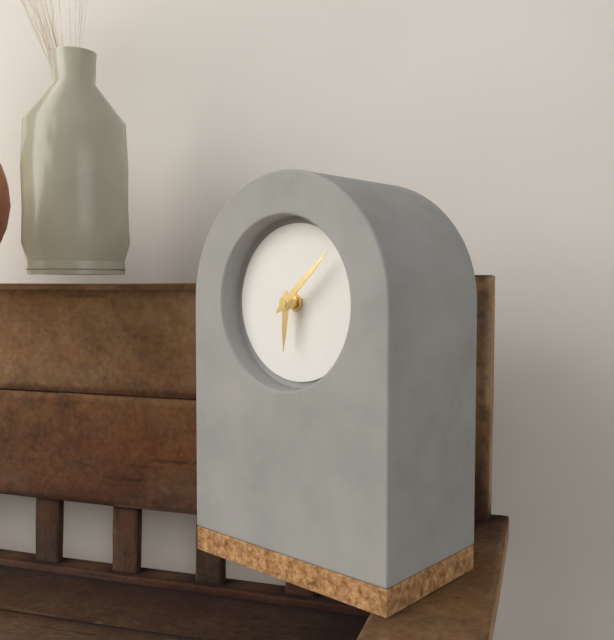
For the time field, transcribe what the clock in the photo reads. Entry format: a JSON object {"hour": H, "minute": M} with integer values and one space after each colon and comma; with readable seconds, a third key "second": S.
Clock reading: {"hour": 6, "minute": 8}
